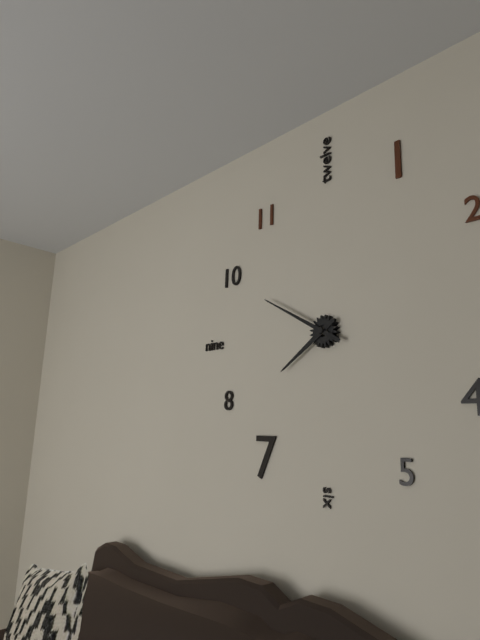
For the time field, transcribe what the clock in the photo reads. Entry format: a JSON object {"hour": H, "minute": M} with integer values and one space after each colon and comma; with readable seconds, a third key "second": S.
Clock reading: {"hour": 7, "minute": 50}
